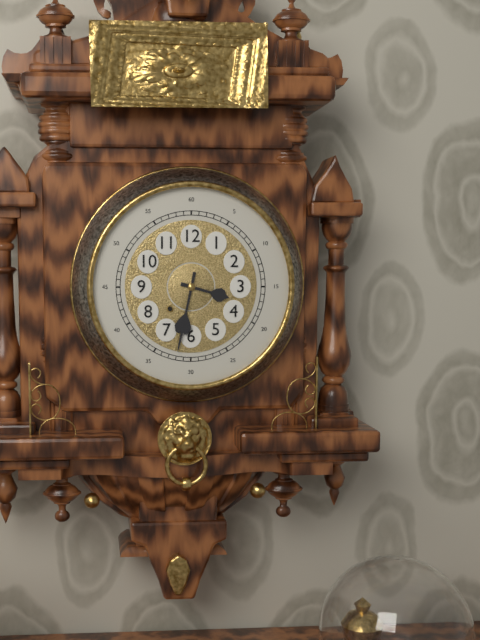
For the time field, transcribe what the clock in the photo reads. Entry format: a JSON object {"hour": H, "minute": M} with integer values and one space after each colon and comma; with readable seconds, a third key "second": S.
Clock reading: {"hour": 3, "minute": 32}
